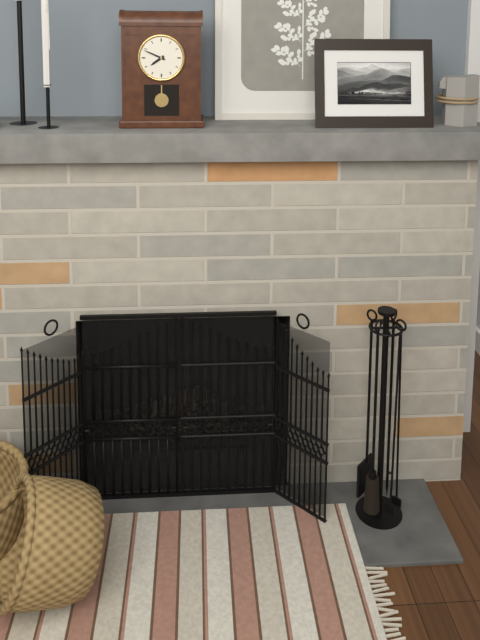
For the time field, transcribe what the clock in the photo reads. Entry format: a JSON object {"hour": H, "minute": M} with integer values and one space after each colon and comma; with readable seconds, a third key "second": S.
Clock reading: {"hour": 7, "minute": 49}
